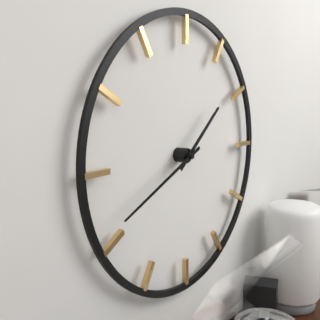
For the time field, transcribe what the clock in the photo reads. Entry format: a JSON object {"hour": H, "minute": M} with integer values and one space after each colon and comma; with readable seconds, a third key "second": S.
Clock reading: {"hour": 1, "minute": 41}
